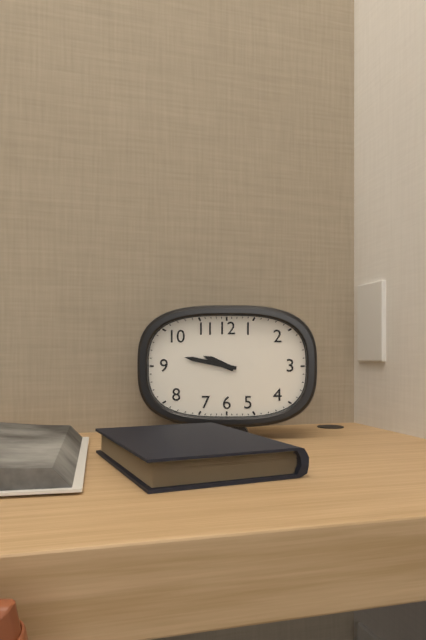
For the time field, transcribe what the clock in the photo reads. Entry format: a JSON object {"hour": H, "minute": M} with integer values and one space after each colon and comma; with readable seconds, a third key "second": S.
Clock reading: {"hour": 9, "minute": 47}
